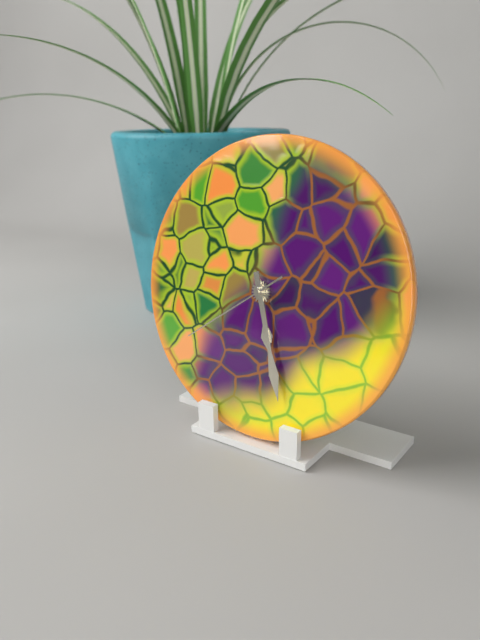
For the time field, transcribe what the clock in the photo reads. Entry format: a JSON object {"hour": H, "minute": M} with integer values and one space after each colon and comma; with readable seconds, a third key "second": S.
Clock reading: {"hour": 5, "minute": 27, "second": 39}
